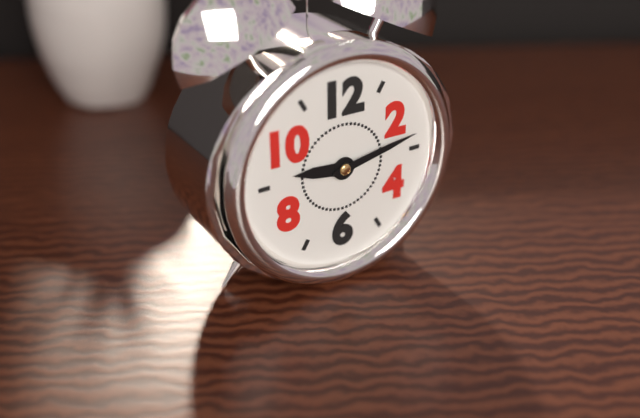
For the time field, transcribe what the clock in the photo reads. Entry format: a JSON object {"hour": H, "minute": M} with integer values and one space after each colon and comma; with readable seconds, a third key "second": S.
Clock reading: {"hour": 9, "minute": 13}
